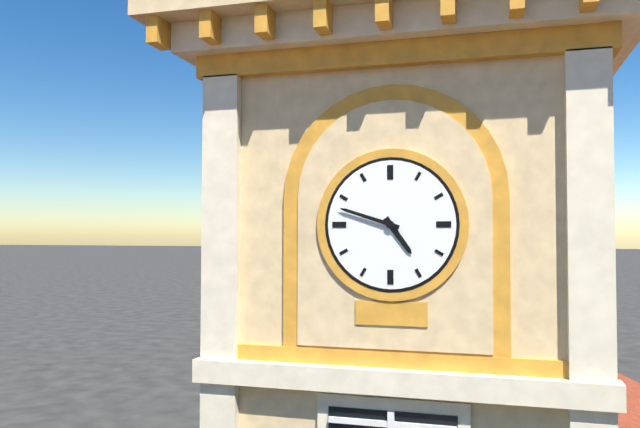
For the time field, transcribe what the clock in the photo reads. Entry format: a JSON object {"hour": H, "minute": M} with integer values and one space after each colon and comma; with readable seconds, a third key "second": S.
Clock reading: {"hour": 4, "minute": 48}
